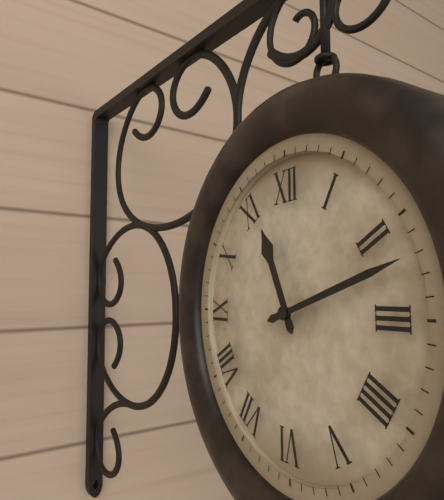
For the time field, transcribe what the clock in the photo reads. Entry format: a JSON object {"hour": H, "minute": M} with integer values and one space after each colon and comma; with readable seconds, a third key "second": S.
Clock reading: {"hour": 11, "minute": 12}
